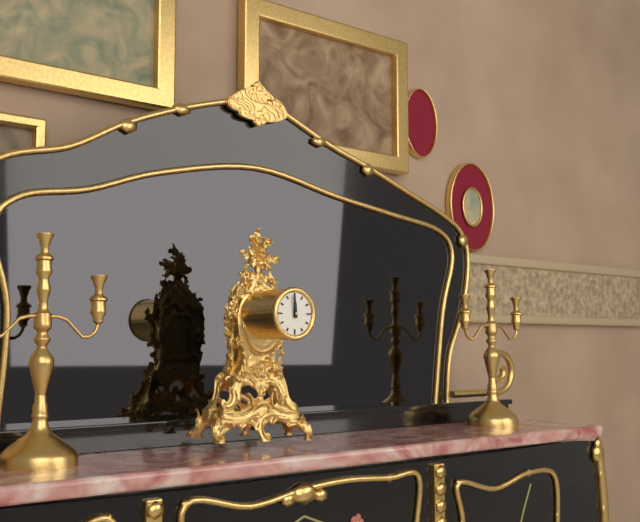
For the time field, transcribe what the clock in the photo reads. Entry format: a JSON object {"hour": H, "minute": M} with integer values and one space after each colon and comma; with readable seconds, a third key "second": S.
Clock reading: {"hour": 11, "minute": 59}
